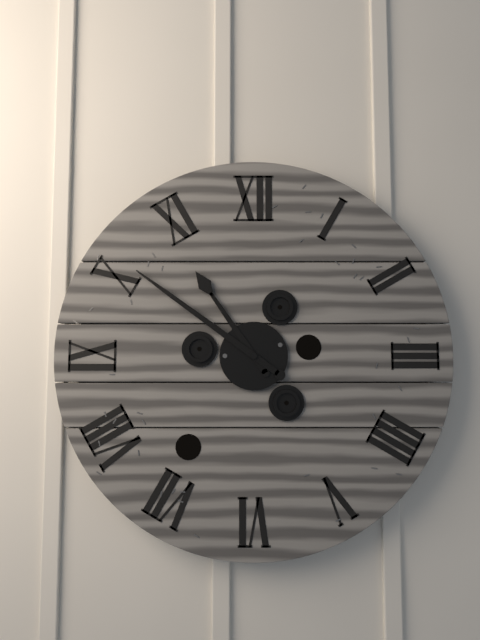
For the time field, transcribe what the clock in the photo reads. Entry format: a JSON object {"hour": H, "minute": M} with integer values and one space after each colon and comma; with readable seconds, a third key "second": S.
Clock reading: {"hour": 10, "minute": 51}
